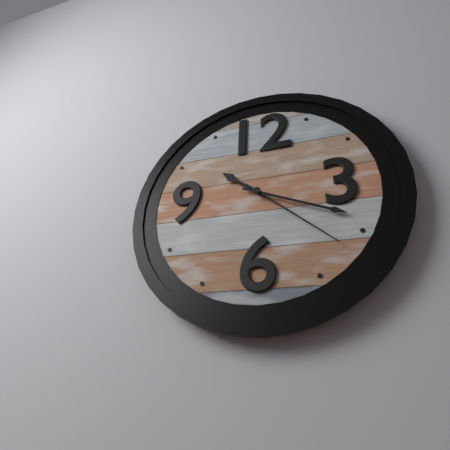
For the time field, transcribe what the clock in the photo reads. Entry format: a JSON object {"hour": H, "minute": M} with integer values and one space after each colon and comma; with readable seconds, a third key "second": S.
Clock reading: {"hour": 10, "minute": 19, "second": 22}
